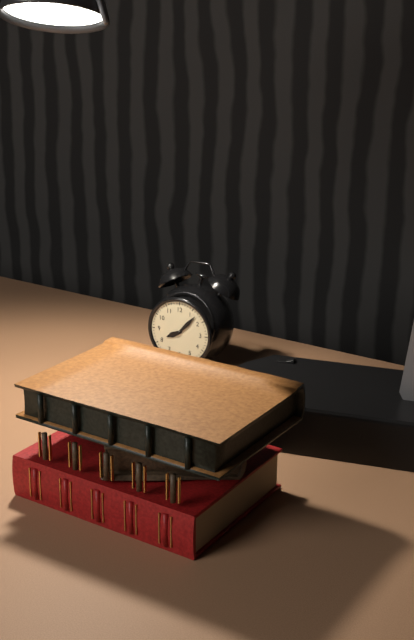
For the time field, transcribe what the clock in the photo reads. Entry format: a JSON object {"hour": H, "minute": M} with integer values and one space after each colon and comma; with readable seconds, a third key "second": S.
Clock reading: {"hour": 8, "minute": 7}
